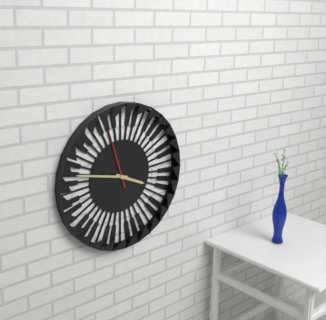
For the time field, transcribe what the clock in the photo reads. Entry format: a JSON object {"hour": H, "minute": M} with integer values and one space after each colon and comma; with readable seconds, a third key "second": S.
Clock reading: {"hour": 3, "minute": 47, "second": 57}
